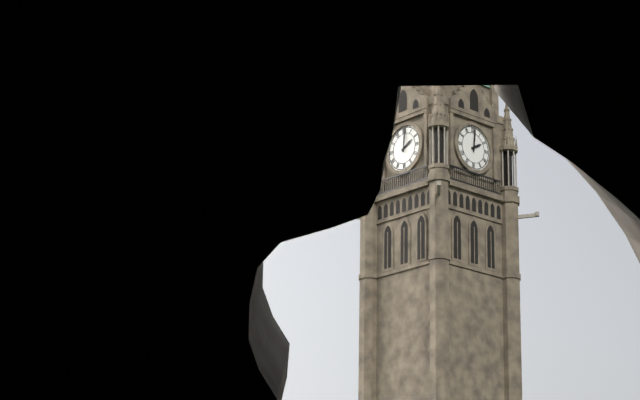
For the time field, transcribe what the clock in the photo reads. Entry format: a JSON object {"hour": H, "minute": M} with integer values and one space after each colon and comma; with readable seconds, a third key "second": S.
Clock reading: {"hour": 2, "minute": 1}
